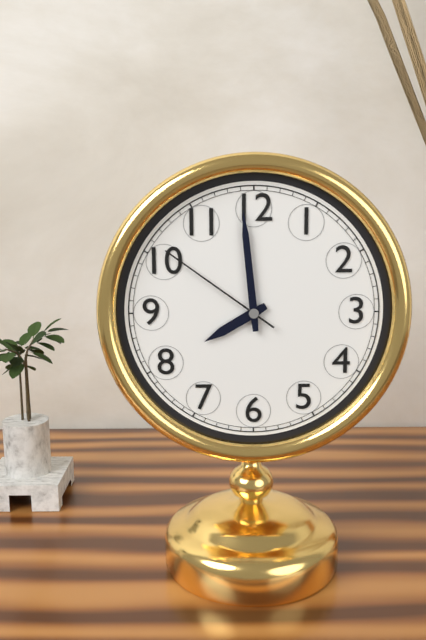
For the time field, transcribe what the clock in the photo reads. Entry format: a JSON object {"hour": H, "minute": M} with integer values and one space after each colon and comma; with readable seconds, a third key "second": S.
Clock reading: {"hour": 7, "minute": 59, "second": 51}
